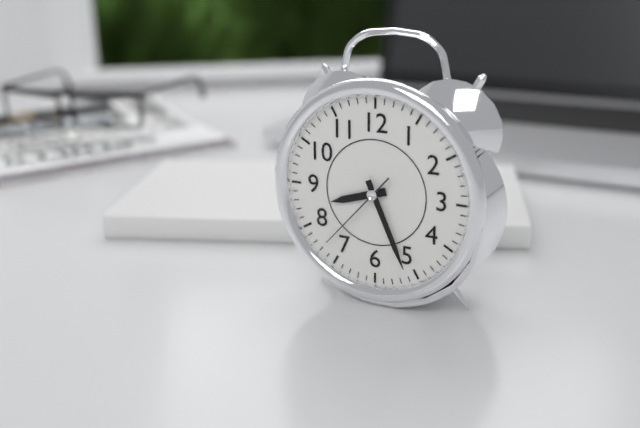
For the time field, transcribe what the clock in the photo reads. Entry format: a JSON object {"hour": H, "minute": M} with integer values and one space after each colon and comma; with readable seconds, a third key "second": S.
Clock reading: {"hour": 8, "minute": 26, "second": 37}
